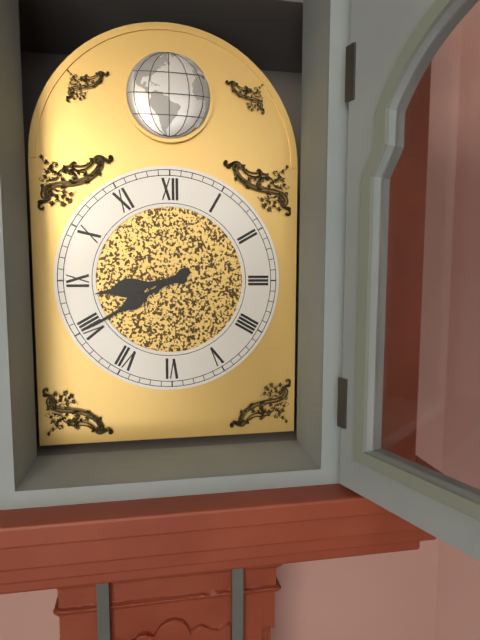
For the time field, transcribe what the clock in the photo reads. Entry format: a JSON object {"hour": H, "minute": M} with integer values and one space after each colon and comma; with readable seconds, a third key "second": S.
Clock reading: {"hour": 8, "minute": 40}
